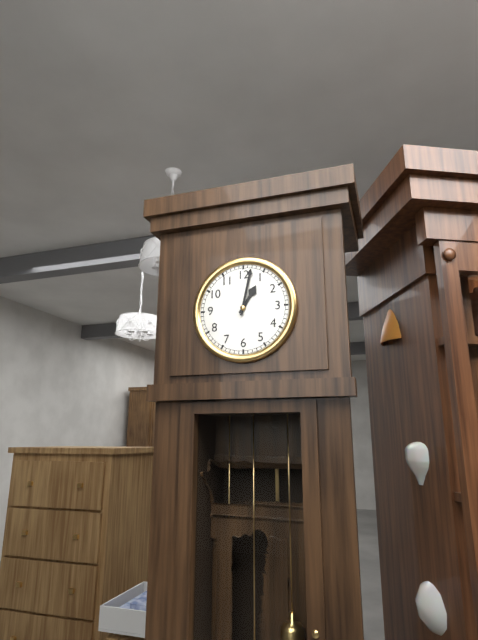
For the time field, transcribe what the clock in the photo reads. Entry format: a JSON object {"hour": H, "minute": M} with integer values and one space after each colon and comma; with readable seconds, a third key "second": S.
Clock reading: {"hour": 1, "minute": 2}
